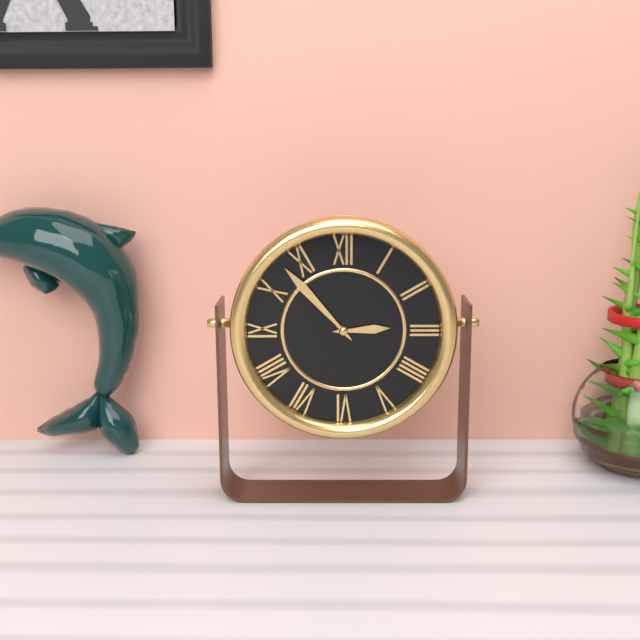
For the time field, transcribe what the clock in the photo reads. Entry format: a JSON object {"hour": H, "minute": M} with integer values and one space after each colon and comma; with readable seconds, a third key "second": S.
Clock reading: {"hour": 2, "minute": 53}
